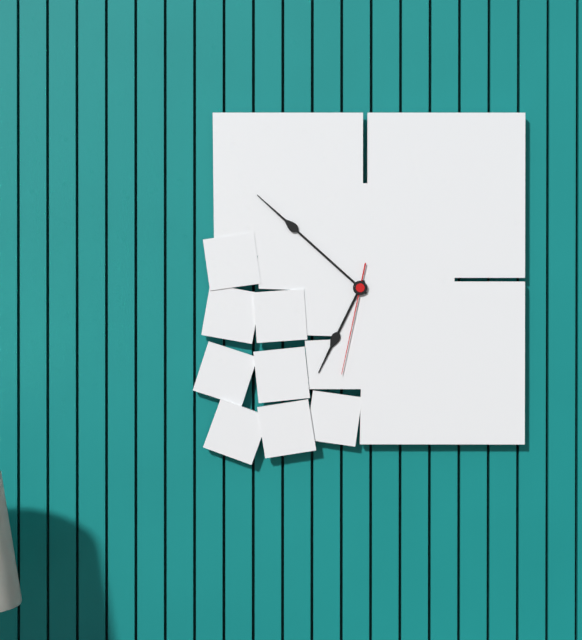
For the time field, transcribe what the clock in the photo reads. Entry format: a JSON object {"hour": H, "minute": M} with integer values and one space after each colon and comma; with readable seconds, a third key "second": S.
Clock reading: {"hour": 6, "minute": 52, "second": 32}
